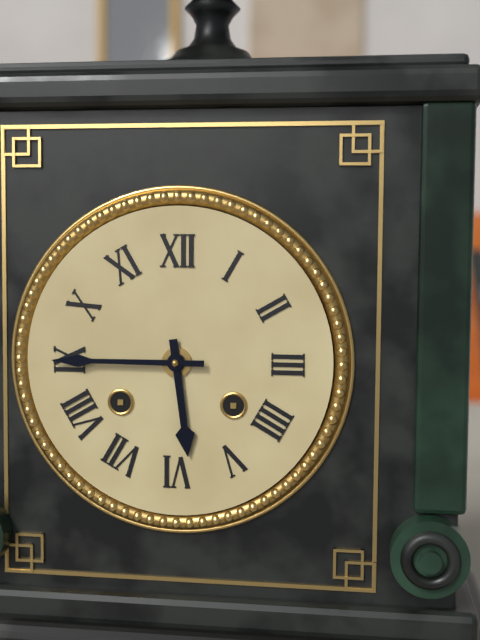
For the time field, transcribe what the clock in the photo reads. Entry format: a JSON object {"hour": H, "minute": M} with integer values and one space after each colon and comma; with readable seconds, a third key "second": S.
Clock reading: {"hour": 5, "minute": 45}
